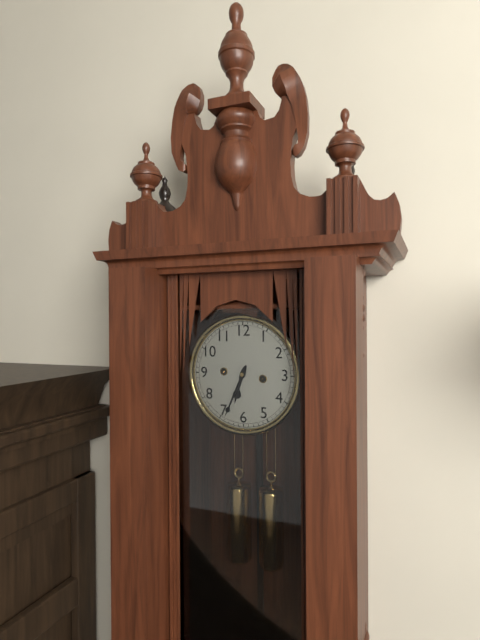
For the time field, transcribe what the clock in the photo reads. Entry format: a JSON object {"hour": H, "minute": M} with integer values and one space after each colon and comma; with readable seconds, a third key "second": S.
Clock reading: {"hour": 6, "minute": 34}
